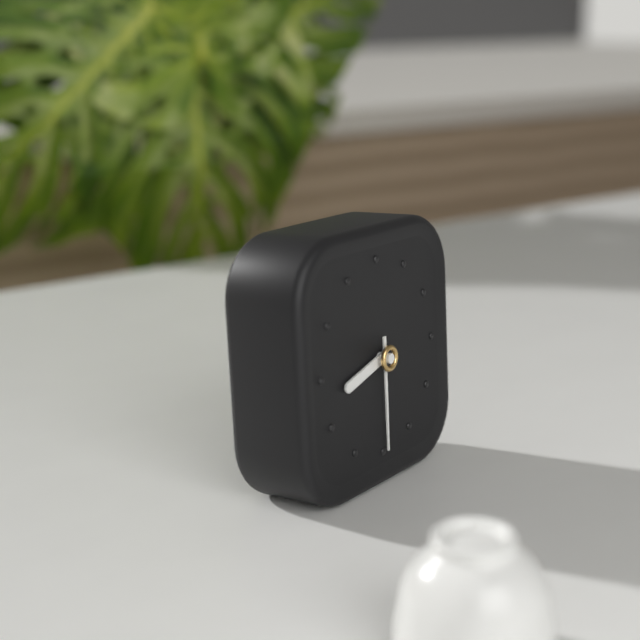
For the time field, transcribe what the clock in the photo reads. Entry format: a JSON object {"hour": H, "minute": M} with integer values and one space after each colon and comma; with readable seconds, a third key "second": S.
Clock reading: {"hour": 8, "minute": 30}
